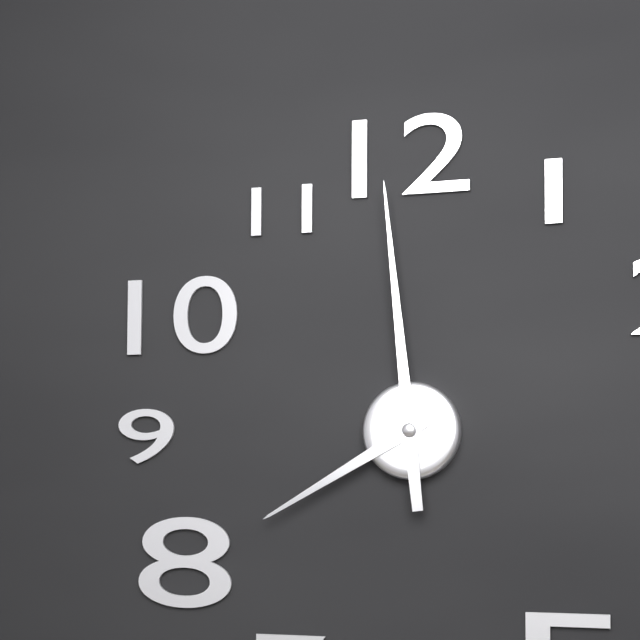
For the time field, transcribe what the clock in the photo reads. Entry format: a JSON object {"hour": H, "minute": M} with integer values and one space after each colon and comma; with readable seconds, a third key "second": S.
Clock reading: {"hour": 7, "minute": 59}
